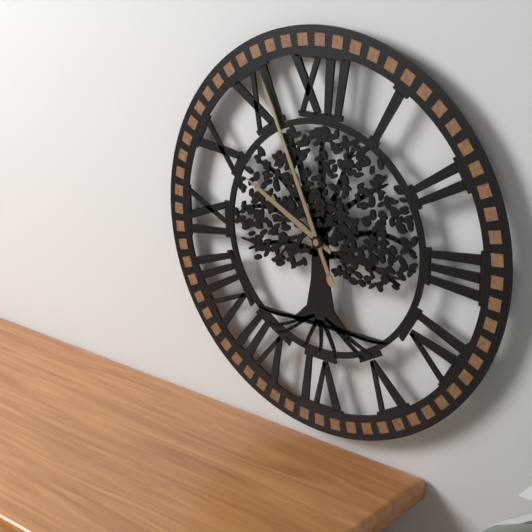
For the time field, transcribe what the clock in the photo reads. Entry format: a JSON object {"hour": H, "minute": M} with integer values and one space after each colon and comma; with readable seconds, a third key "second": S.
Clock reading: {"hour": 9, "minute": 56}
